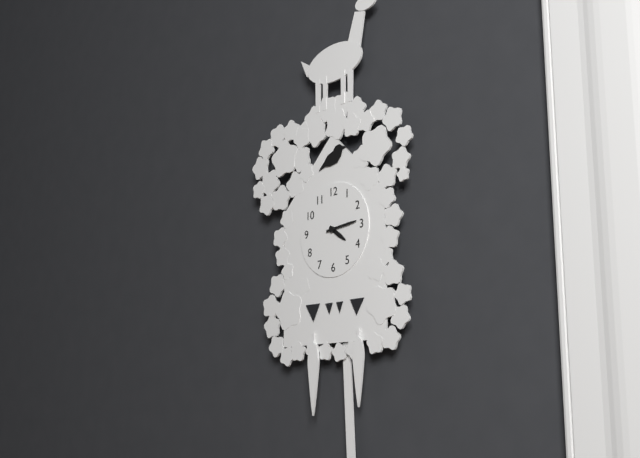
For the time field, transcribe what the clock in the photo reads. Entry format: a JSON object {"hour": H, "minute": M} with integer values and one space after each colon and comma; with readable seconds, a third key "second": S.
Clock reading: {"hour": 4, "minute": 14}
